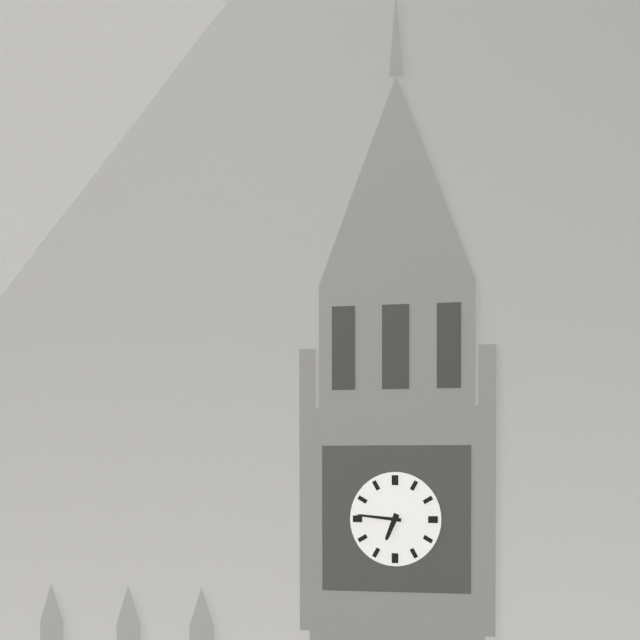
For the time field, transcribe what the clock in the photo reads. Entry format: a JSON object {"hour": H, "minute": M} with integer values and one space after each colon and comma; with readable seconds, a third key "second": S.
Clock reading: {"hour": 6, "minute": 46}
